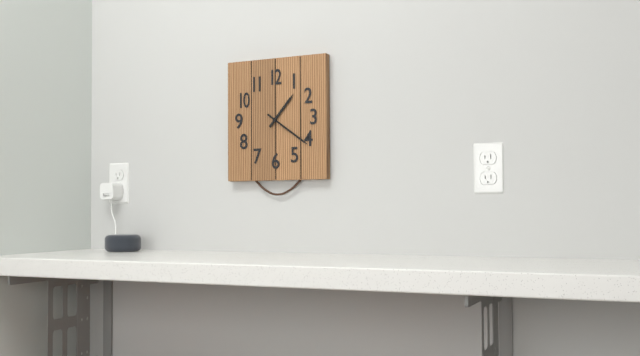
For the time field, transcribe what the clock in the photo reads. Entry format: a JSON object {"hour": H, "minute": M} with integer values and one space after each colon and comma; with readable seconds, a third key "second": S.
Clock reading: {"hour": 1, "minute": 21}
